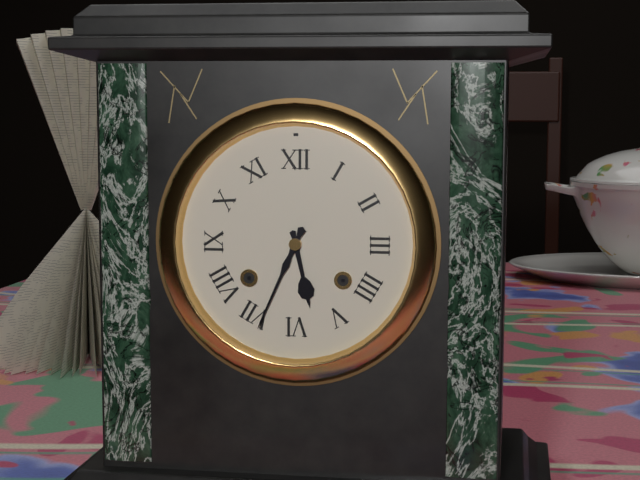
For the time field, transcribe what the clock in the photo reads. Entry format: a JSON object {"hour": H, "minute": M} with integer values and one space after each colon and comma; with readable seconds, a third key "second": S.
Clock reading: {"hour": 5, "minute": 34}
